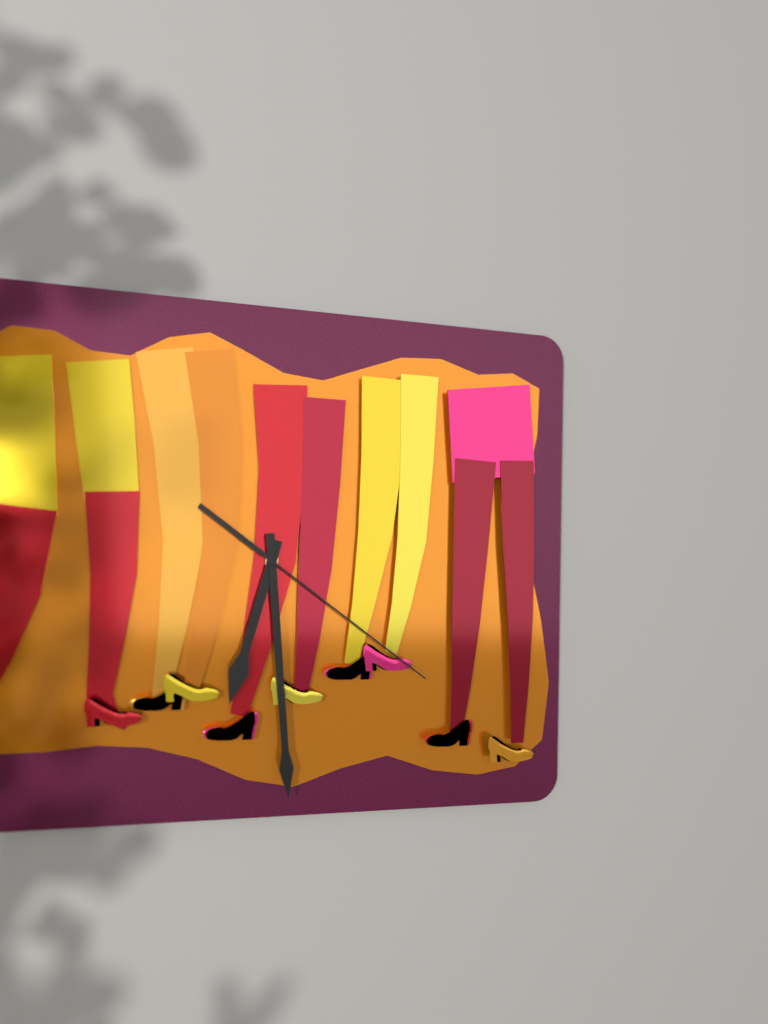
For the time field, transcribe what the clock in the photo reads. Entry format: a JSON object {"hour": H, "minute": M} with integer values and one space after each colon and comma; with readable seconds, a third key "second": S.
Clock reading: {"hour": 6, "minute": 29, "second": 21}
